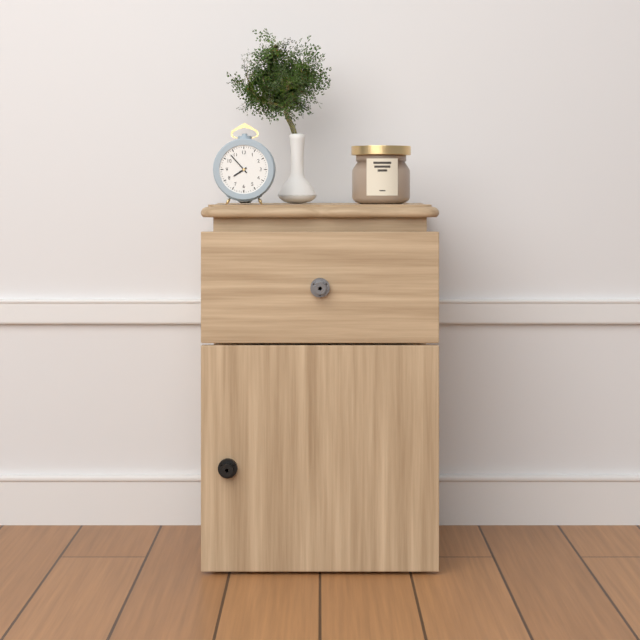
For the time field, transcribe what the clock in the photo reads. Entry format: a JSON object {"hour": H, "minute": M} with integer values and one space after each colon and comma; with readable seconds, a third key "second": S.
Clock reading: {"hour": 7, "minute": 53}
